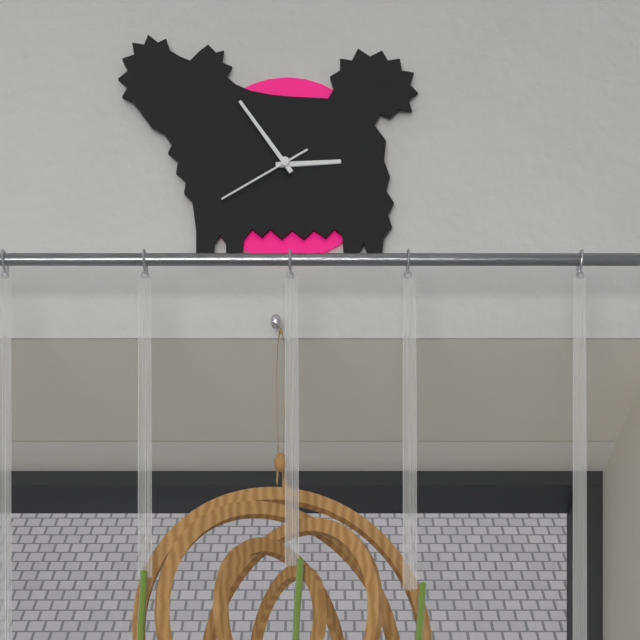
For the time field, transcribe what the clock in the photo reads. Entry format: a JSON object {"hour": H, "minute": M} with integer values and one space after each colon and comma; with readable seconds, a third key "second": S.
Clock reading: {"hour": 2, "minute": 54, "second": 40}
